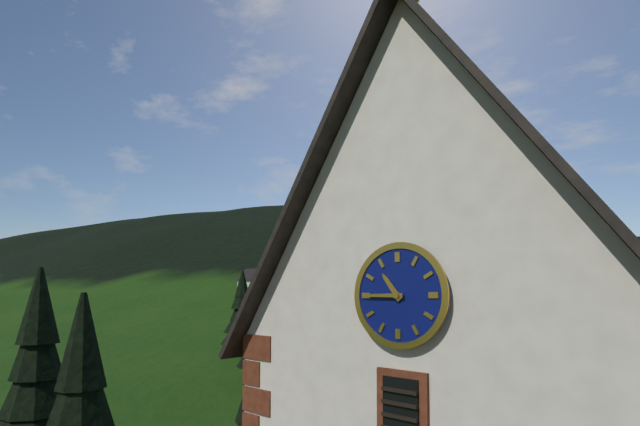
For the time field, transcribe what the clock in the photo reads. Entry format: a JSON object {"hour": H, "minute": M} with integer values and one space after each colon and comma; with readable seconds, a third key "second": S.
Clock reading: {"hour": 10, "minute": 45}
